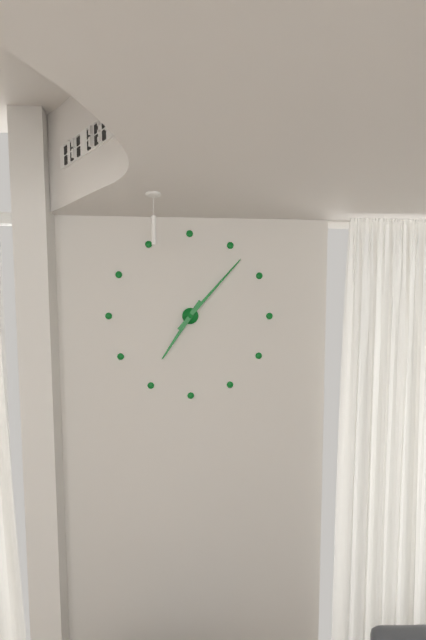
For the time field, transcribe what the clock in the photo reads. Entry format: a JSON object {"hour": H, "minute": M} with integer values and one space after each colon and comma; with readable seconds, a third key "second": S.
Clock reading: {"hour": 7, "minute": 7}
